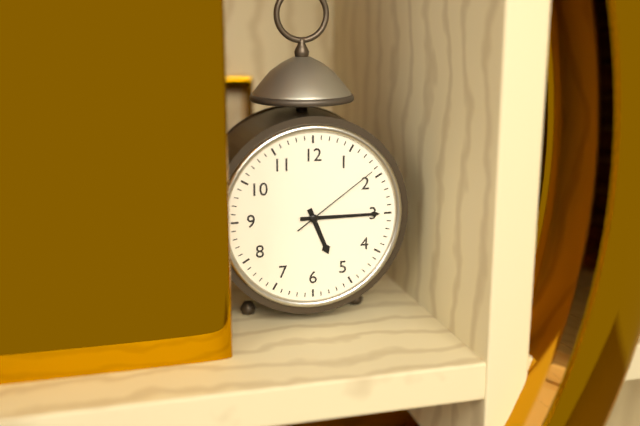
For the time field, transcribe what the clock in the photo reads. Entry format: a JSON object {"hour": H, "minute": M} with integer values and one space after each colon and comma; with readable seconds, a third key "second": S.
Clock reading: {"hour": 5, "minute": 15, "second": 9}
